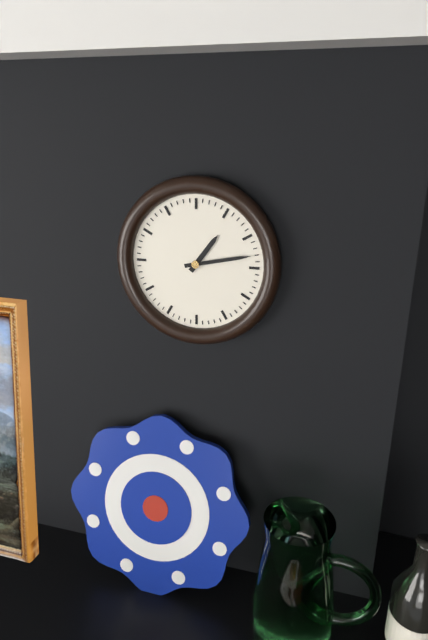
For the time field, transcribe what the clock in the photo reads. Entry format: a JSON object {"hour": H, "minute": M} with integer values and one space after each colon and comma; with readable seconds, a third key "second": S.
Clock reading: {"hour": 1, "minute": 13}
